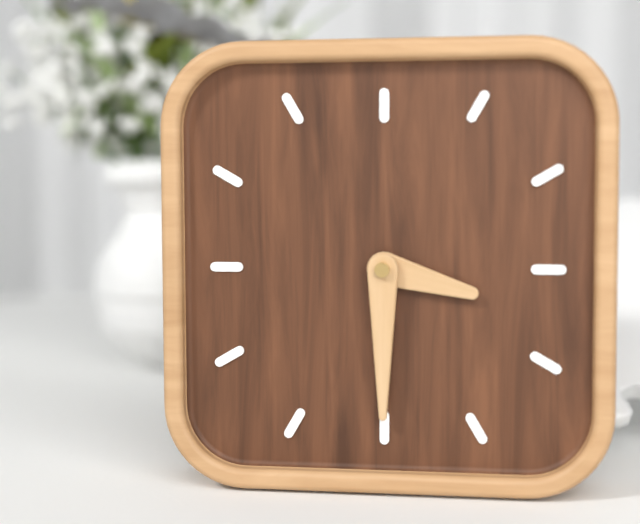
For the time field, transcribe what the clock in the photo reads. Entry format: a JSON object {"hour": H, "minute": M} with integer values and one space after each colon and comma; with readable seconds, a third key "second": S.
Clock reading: {"hour": 3, "minute": 30}
